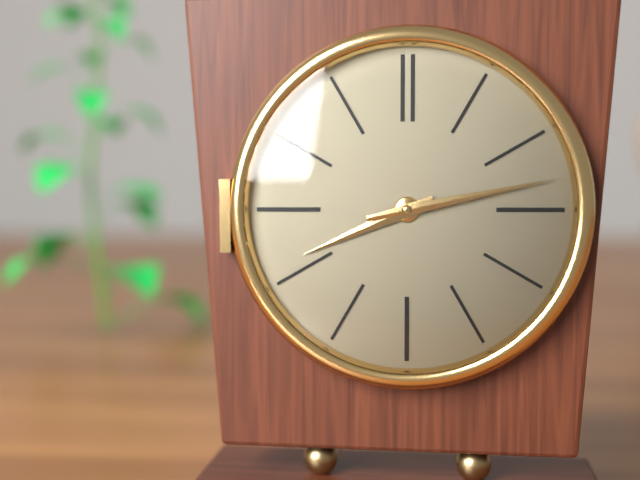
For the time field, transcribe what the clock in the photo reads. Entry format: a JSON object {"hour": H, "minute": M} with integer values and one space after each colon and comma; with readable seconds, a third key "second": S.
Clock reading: {"hour": 8, "minute": 13}
